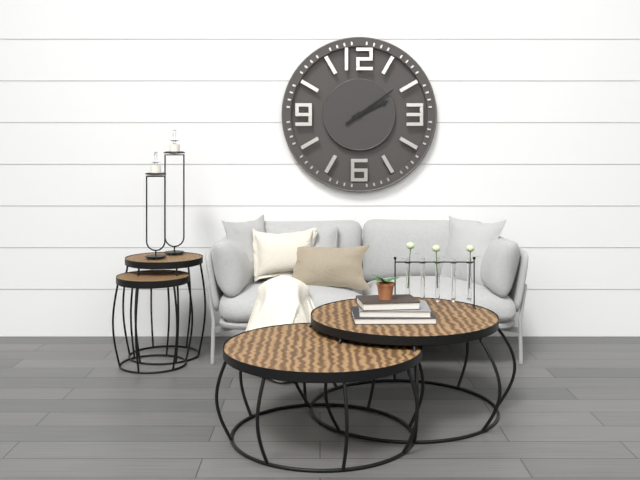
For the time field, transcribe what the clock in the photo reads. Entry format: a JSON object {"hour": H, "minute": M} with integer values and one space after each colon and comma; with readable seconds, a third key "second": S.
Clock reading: {"hour": 2, "minute": 9}
